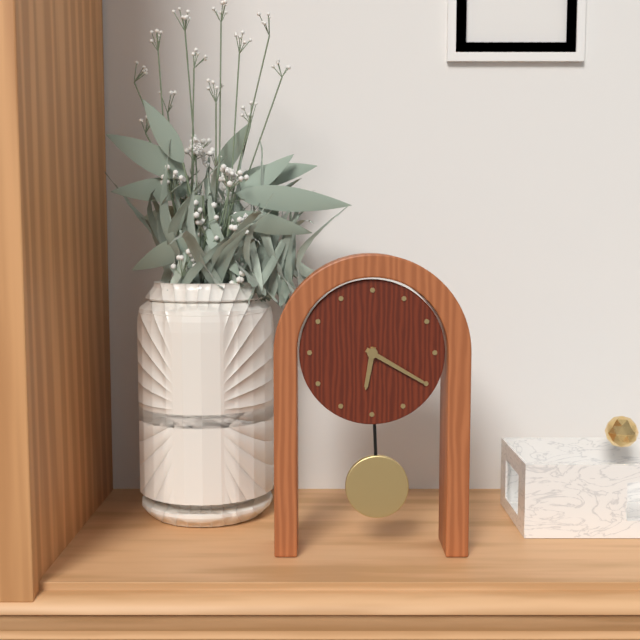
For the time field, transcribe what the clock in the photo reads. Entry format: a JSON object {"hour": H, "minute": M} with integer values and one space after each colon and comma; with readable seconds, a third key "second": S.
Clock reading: {"hour": 6, "minute": 20}
